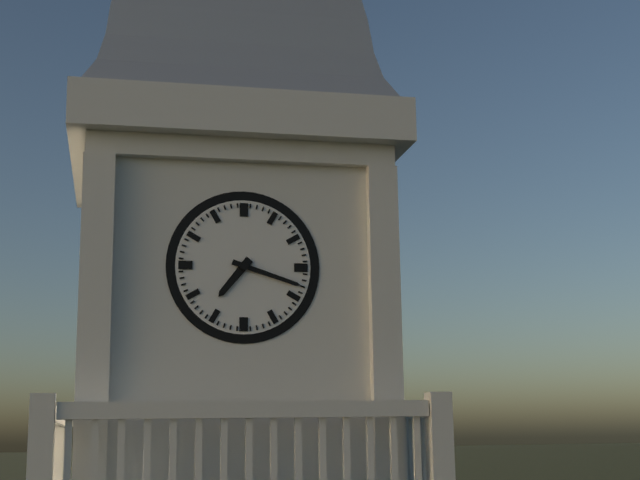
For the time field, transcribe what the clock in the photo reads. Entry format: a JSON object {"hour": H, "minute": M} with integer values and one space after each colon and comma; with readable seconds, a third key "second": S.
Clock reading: {"hour": 7, "minute": 18}
